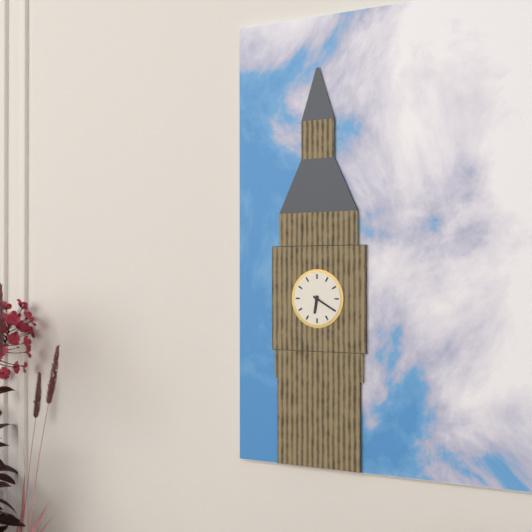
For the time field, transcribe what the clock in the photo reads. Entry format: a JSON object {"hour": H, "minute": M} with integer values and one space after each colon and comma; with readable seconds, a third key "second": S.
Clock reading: {"hour": 6, "minute": 20}
